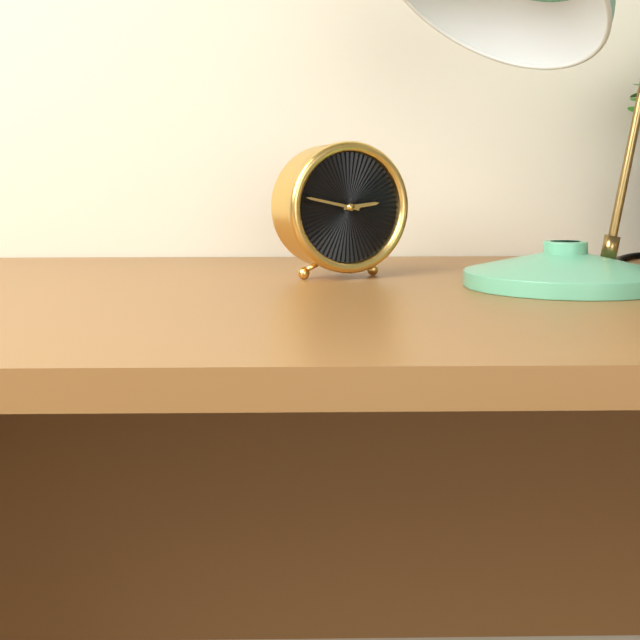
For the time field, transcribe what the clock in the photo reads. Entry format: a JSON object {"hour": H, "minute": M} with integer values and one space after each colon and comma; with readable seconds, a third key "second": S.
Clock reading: {"hour": 2, "minute": 47}
